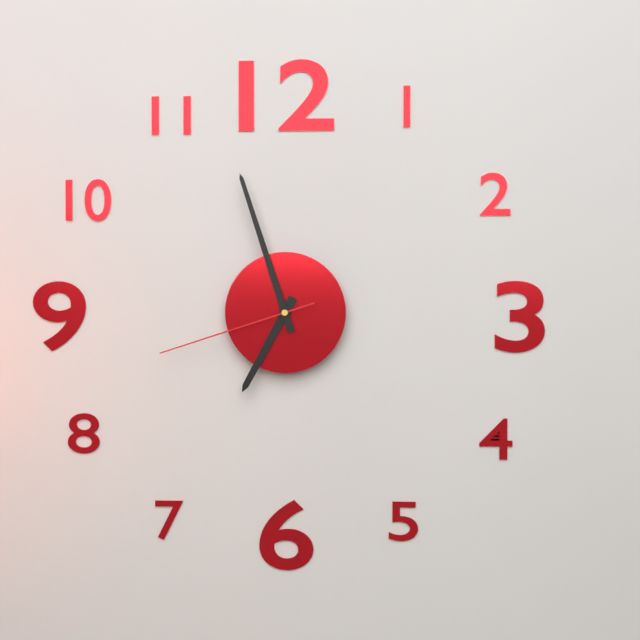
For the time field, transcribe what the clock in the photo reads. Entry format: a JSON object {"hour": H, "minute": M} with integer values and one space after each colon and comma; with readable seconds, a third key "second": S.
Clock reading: {"hour": 6, "minute": 57, "second": 42}
